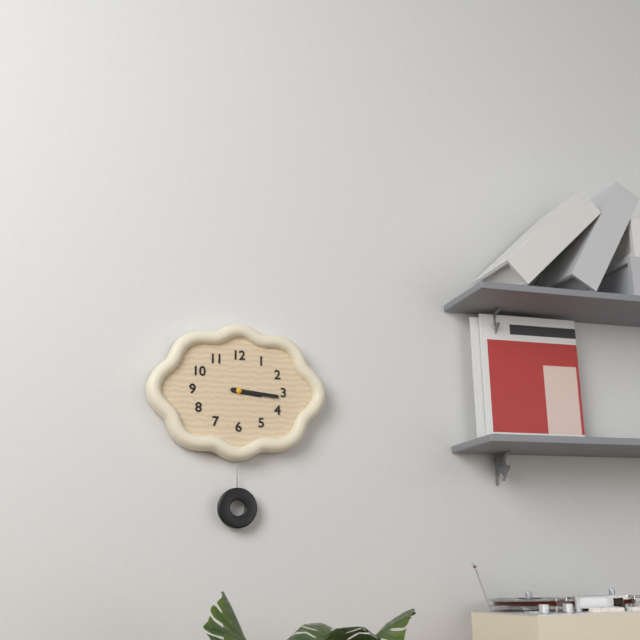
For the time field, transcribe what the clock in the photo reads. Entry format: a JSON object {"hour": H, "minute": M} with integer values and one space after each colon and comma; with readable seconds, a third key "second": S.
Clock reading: {"hour": 3, "minute": 16}
